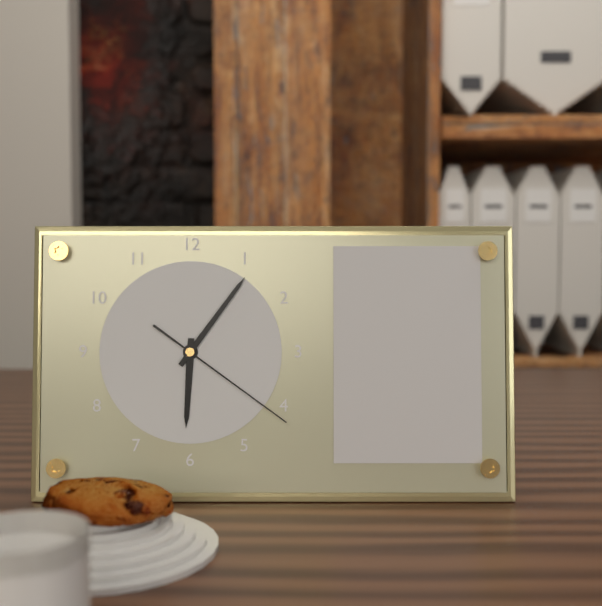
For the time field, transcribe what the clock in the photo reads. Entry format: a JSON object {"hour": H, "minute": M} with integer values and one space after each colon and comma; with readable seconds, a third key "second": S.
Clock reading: {"hour": 6, "minute": 6, "second": 21}
